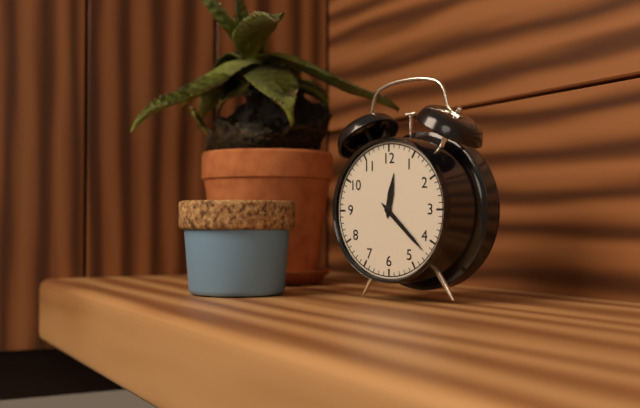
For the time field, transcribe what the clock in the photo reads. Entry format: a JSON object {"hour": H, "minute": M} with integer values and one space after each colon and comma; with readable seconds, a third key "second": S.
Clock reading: {"hour": 12, "minute": 22}
